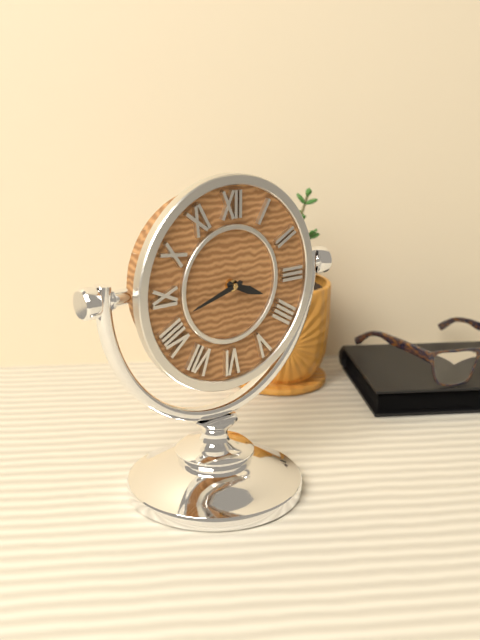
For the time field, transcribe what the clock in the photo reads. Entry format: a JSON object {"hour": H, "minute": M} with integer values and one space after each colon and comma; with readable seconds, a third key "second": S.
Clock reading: {"hour": 3, "minute": 42}
